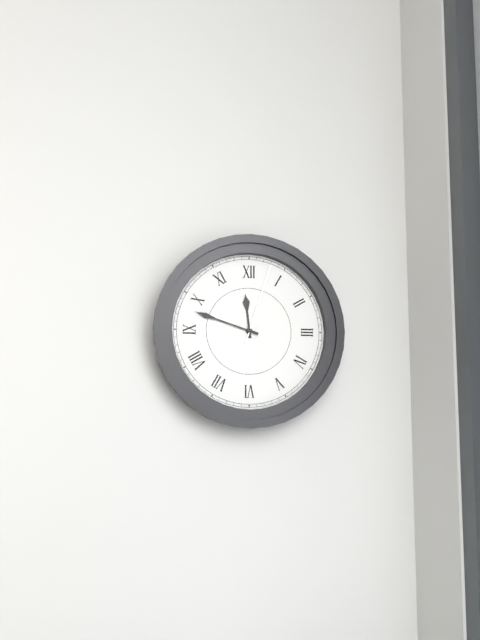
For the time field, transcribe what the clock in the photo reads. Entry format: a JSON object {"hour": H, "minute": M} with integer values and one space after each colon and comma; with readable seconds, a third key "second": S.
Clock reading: {"hour": 11, "minute": 48, "second": 3}
